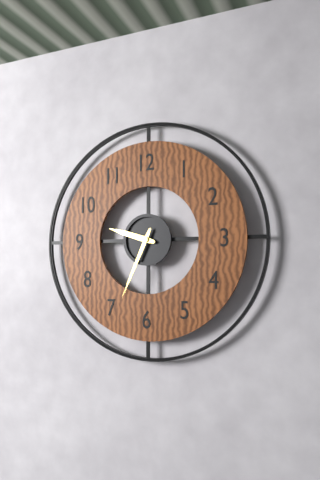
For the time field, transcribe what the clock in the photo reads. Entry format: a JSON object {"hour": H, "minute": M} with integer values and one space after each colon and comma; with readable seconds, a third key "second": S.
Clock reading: {"hour": 9, "minute": 34}
